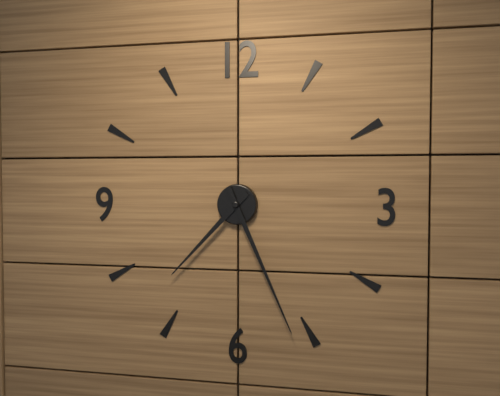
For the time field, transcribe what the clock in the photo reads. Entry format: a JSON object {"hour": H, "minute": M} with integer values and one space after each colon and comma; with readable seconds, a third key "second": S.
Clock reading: {"hour": 7, "minute": 26}
